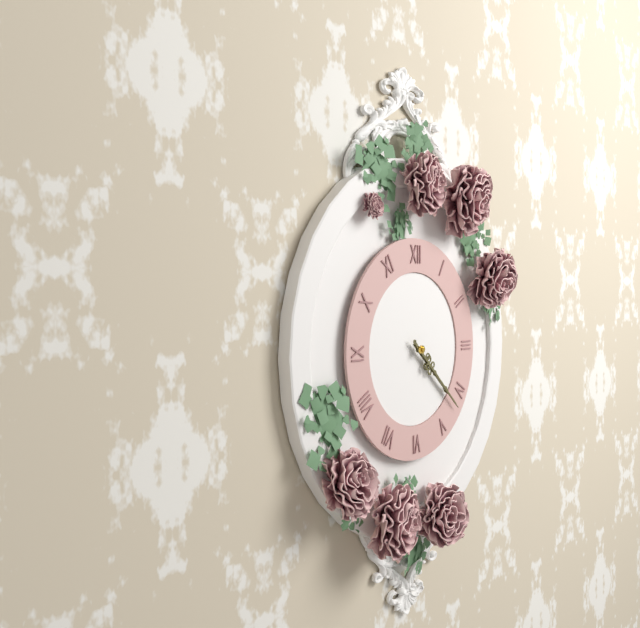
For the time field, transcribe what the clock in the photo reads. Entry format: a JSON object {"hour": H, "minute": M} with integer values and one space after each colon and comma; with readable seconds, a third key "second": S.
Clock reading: {"hour": 4, "minute": 22}
